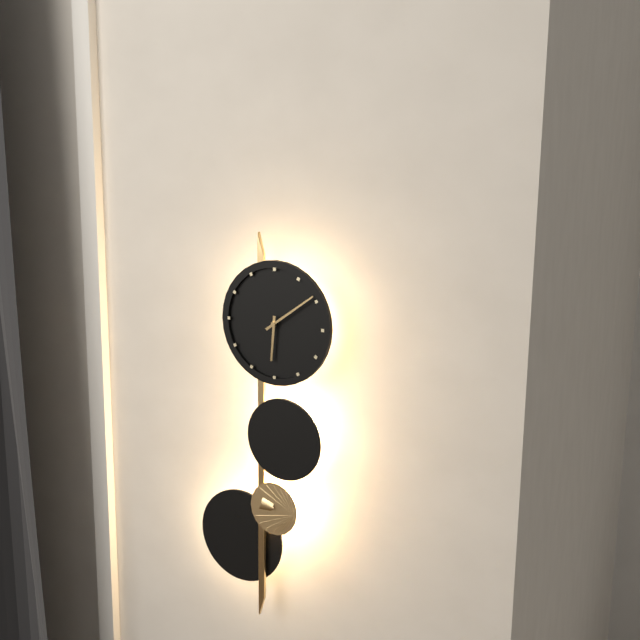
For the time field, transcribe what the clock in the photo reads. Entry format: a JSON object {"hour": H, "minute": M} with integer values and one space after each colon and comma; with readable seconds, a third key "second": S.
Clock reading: {"hour": 6, "minute": 9}
